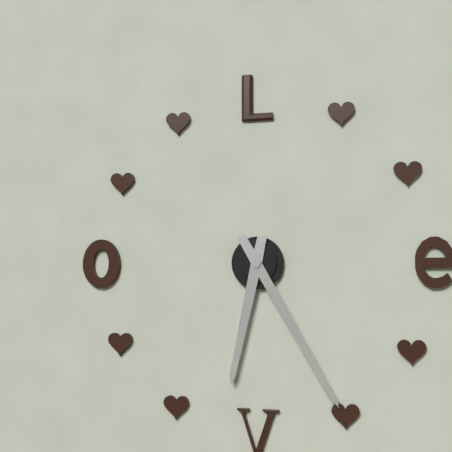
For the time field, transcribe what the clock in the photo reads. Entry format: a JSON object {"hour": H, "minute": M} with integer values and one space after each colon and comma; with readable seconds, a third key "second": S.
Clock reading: {"hour": 6, "minute": 25}
